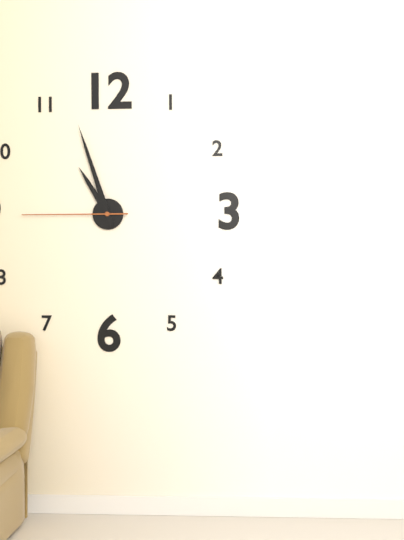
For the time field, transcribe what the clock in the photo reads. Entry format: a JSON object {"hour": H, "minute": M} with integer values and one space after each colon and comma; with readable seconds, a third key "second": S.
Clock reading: {"hour": 10, "minute": 57, "second": 45}
